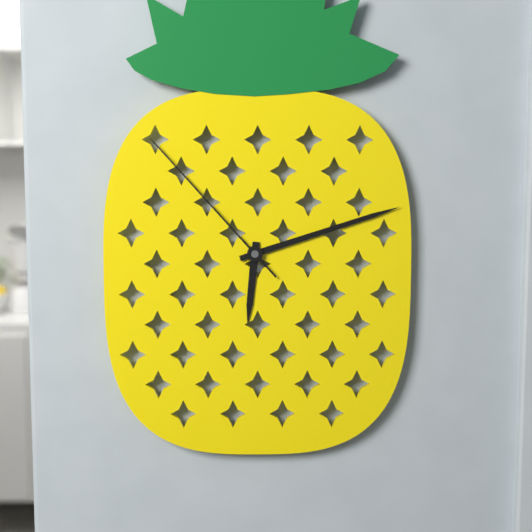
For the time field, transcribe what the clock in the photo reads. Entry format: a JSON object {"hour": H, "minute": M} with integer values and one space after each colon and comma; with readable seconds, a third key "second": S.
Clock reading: {"hour": 6, "minute": 12, "second": 53}
